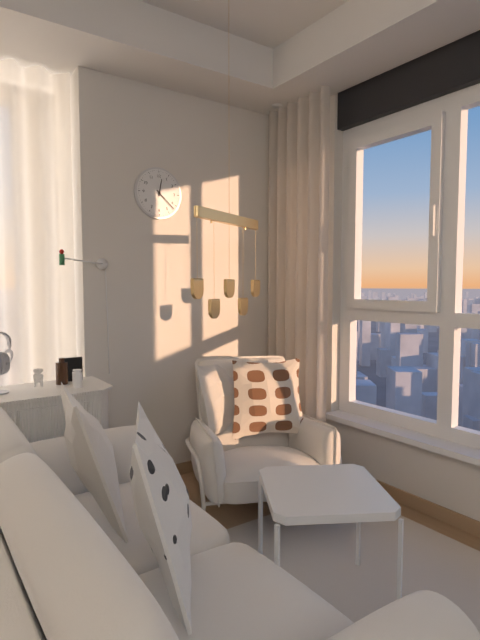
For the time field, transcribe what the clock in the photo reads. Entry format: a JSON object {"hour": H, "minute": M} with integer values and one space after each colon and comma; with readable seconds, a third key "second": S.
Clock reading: {"hour": 12, "minute": 22}
